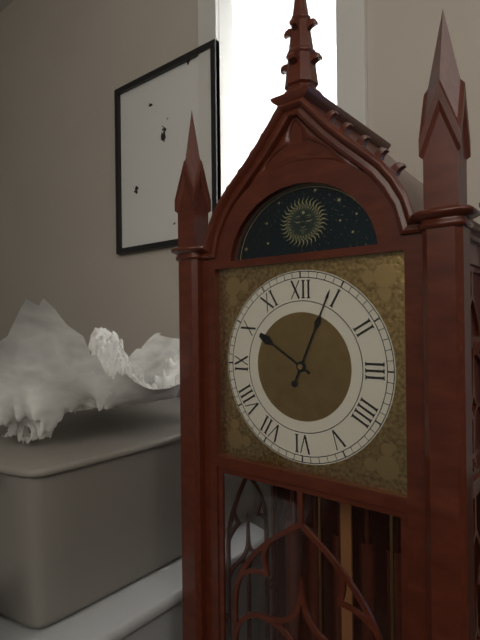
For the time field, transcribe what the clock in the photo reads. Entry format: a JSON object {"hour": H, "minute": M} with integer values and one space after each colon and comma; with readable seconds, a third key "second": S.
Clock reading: {"hour": 10, "minute": 4}
